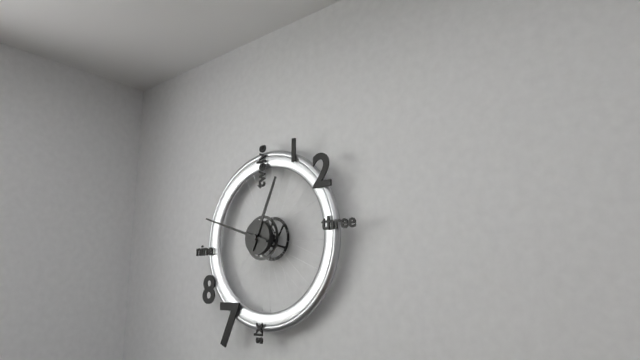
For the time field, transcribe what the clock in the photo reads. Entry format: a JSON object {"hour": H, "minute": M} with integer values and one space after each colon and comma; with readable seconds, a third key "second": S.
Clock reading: {"hour": 12, "minute": 48}
